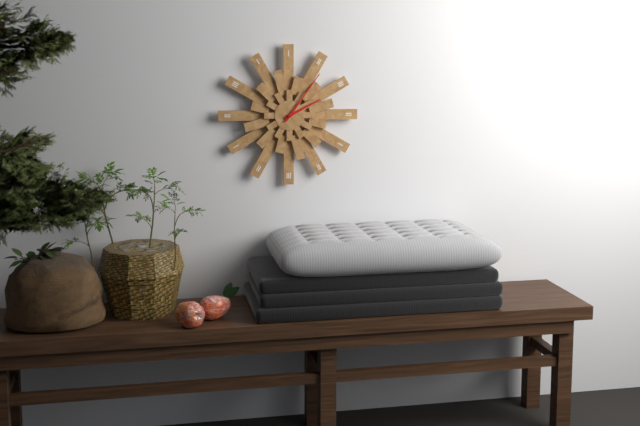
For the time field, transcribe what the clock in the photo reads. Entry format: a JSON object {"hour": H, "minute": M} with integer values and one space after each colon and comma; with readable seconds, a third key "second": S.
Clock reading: {"hour": 2, "minute": 6}
